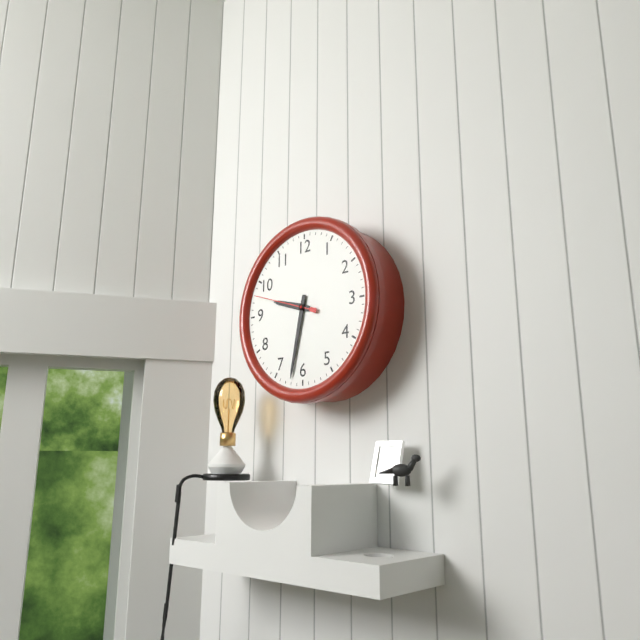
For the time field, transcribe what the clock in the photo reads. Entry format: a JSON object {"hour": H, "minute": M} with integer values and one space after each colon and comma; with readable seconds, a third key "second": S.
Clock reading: {"hour": 9, "minute": 32, "second": 48}
